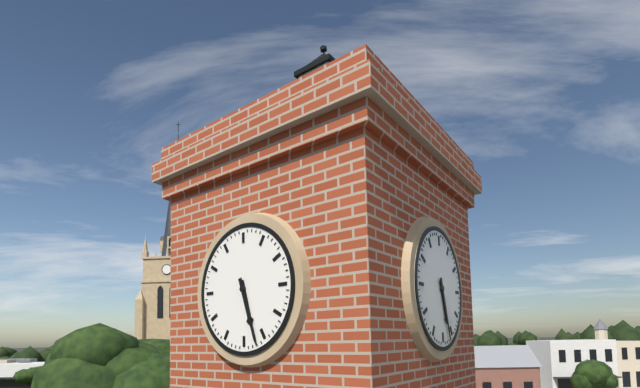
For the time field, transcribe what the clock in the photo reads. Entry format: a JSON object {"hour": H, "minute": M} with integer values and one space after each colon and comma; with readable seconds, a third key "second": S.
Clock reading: {"hour": 5, "minute": 27}
